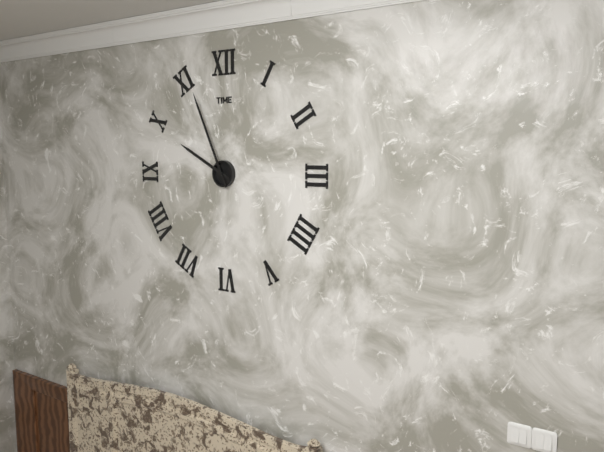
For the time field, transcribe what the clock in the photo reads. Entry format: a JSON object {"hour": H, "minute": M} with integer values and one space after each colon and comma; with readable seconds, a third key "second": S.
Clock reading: {"hour": 9, "minute": 56}
